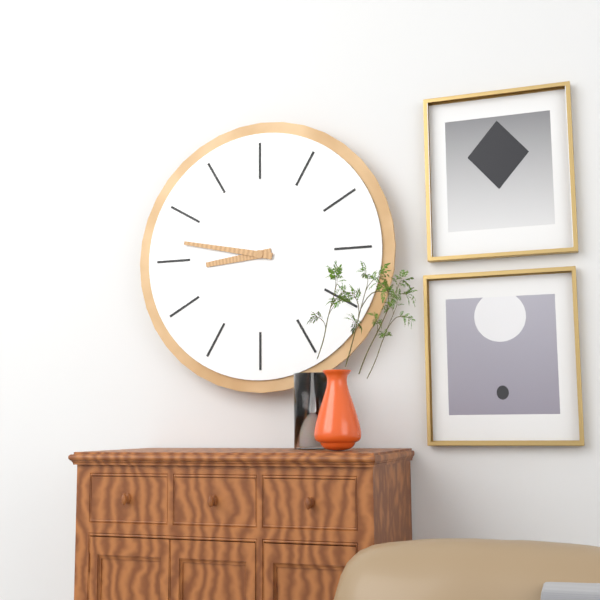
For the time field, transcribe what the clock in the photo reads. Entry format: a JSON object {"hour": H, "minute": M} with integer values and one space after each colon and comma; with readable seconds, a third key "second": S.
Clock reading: {"hour": 8, "minute": 47}
